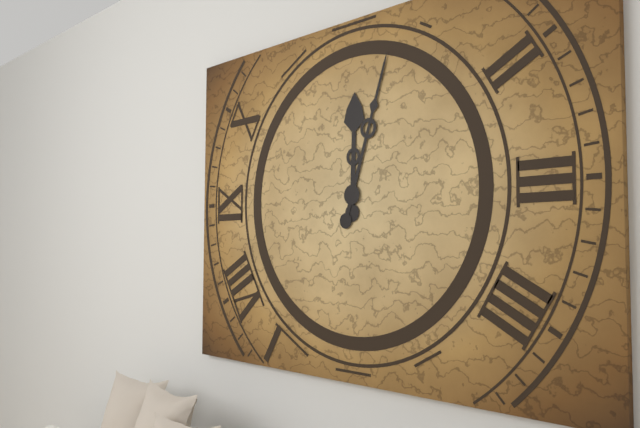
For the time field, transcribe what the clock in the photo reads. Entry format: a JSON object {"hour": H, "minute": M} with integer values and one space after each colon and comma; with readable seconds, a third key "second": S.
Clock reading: {"hour": 12, "minute": 3}
